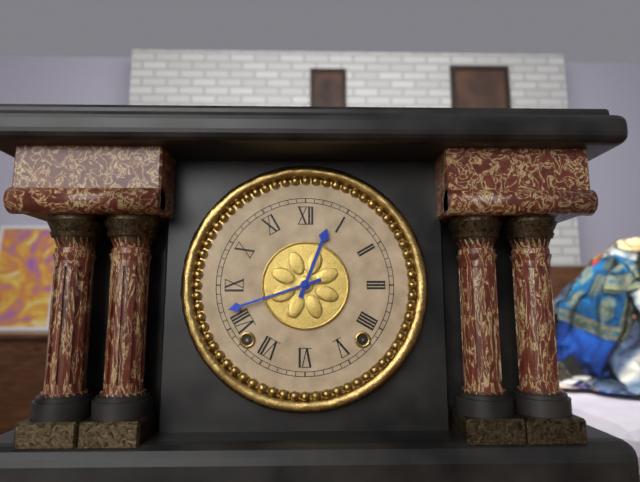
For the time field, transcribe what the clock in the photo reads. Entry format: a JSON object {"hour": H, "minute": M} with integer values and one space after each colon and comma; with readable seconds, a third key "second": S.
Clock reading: {"hour": 12, "minute": 42}
